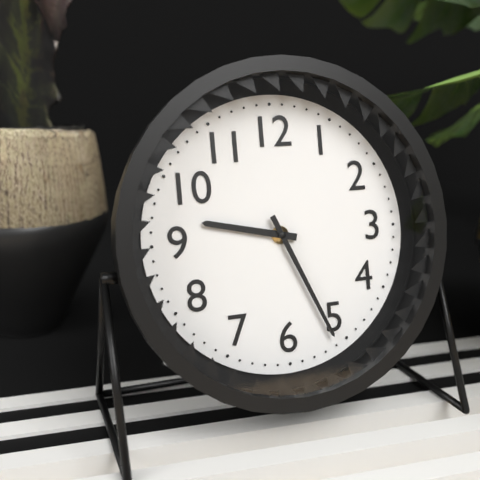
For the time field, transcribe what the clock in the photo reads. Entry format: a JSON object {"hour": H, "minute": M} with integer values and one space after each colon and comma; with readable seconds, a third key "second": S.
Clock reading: {"hour": 9, "minute": 26}
